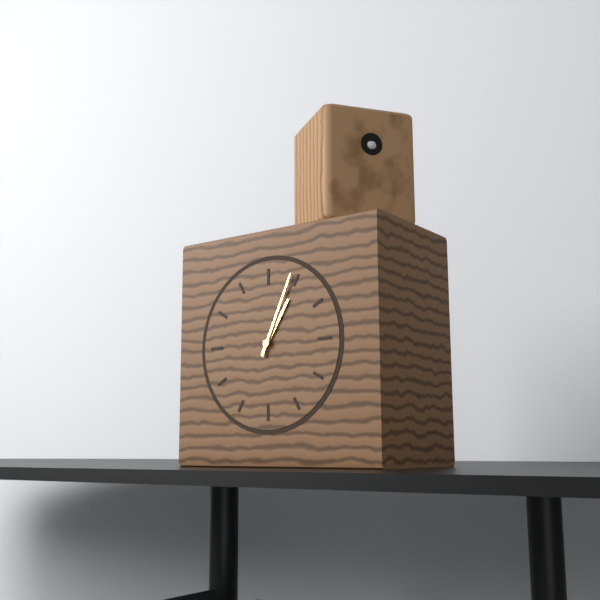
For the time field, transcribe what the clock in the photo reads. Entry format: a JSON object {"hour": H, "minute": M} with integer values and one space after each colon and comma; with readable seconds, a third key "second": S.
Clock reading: {"hour": 1, "minute": 4}
